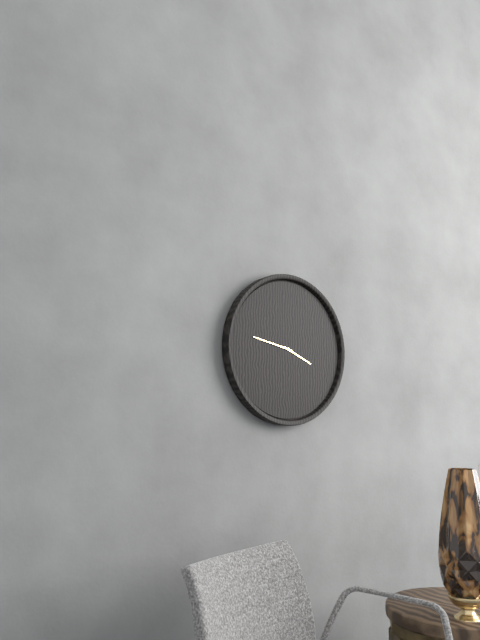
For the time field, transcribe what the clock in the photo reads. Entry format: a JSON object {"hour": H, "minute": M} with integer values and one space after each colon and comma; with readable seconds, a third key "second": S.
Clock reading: {"hour": 3, "minute": 47}
